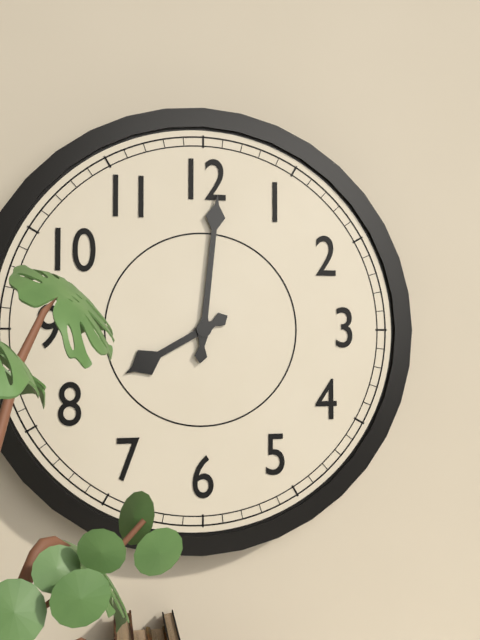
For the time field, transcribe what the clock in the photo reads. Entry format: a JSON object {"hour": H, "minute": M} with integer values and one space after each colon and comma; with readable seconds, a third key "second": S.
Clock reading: {"hour": 8, "minute": 1}
